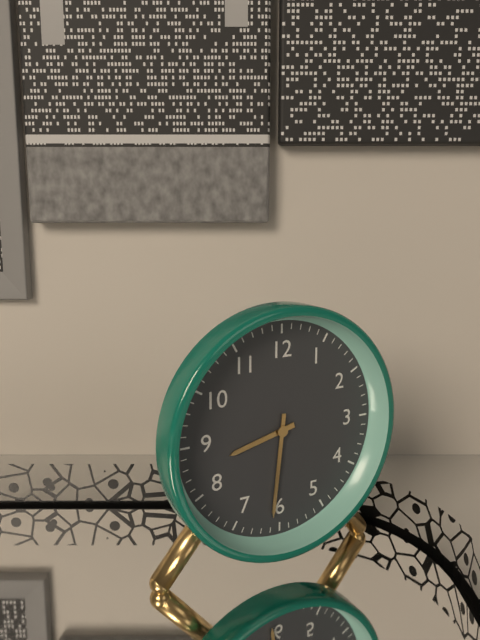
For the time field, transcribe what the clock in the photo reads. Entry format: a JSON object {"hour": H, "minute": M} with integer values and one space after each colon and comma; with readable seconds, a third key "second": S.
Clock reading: {"hour": 8, "minute": 31}
